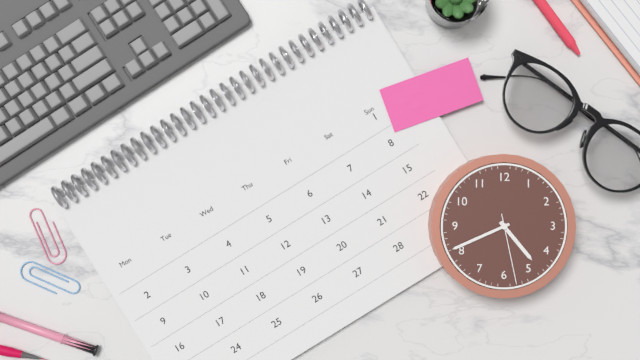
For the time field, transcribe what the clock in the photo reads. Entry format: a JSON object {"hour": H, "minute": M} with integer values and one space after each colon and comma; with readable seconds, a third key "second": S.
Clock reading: {"hour": 4, "minute": 41, "second": 28}
